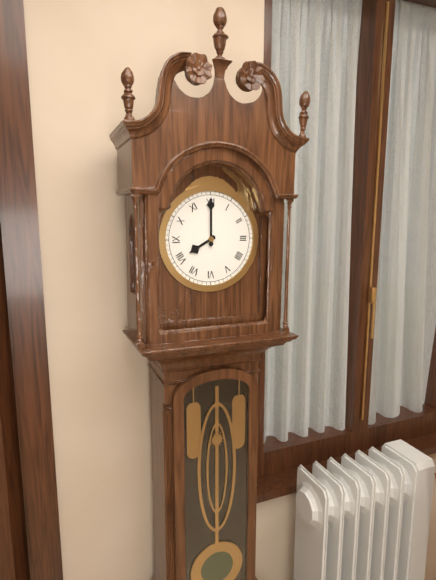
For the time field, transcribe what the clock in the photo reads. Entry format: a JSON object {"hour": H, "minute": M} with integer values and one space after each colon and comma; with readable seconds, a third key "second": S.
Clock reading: {"hour": 8, "minute": 0}
